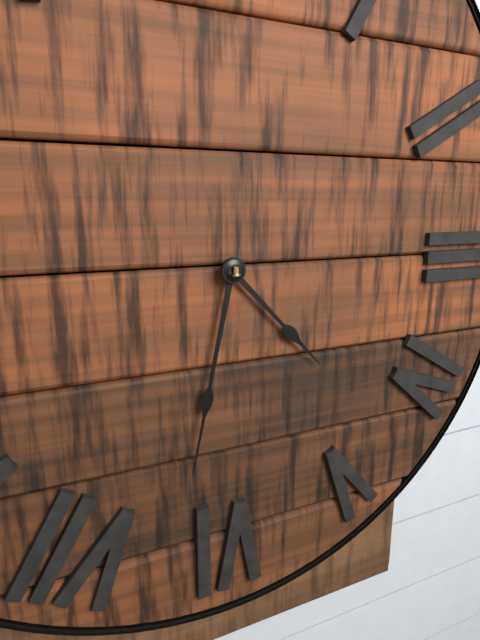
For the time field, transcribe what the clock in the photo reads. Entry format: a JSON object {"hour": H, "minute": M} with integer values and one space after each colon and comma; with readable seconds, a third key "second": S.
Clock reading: {"hour": 4, "minute": 32}
